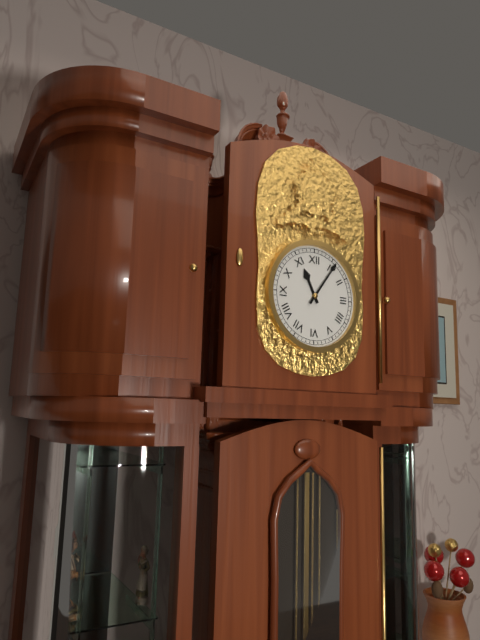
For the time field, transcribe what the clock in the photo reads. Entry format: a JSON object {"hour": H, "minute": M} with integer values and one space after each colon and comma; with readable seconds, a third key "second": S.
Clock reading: {"hour": 11, "minute": 6}
